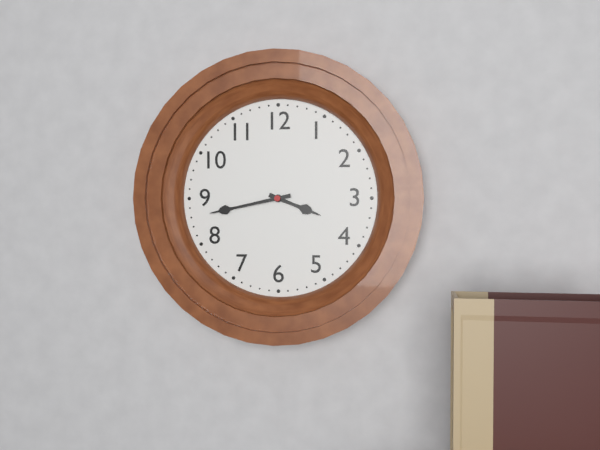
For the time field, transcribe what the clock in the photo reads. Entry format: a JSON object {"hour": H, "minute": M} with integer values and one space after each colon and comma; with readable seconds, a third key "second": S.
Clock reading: {"hour": 3, "minute": 43}
